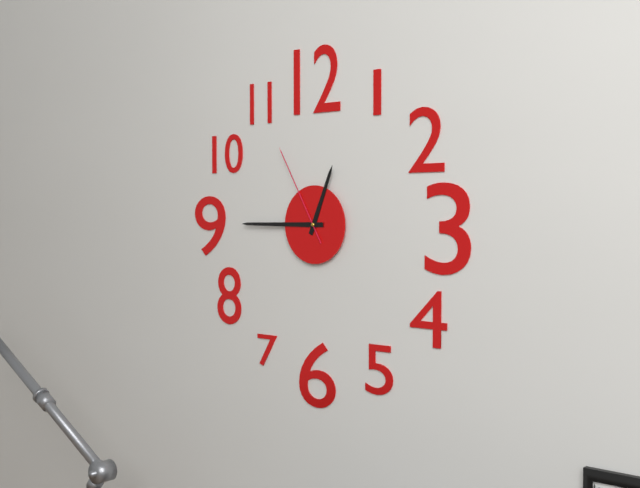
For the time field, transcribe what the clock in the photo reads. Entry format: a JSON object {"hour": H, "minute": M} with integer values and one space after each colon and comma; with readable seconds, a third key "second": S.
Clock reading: {"hour": 12, "minute": 45, "second": 55}
